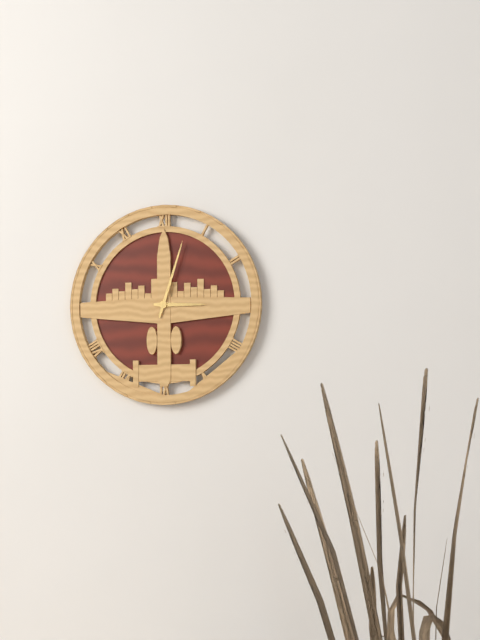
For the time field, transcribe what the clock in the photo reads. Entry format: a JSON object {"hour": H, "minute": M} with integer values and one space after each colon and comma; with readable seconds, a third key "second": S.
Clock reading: {"hour": 3, "minute": 3}
